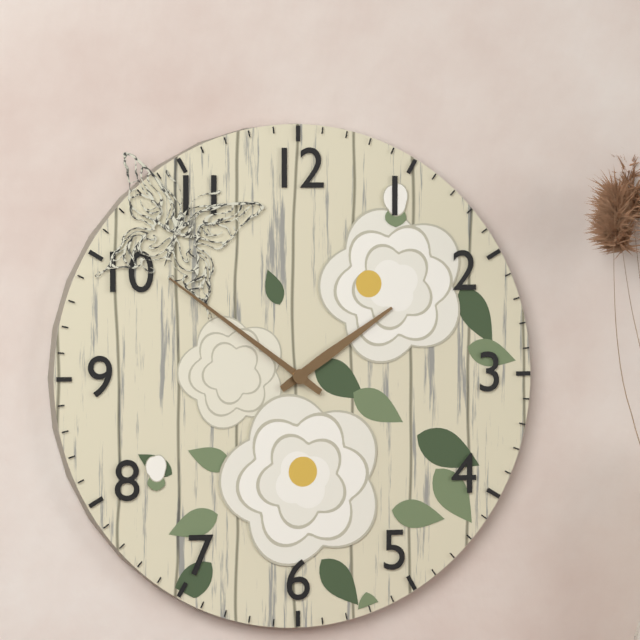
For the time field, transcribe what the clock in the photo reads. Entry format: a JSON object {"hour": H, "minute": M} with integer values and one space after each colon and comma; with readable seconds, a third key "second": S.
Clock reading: {"hour": 1, "minute": 51}
